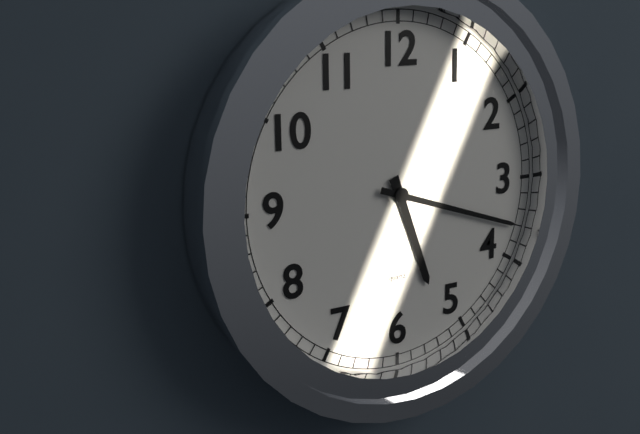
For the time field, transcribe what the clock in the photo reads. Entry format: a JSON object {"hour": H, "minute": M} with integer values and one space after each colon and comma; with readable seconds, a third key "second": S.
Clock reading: {"hour": 5, "minute": 18}
